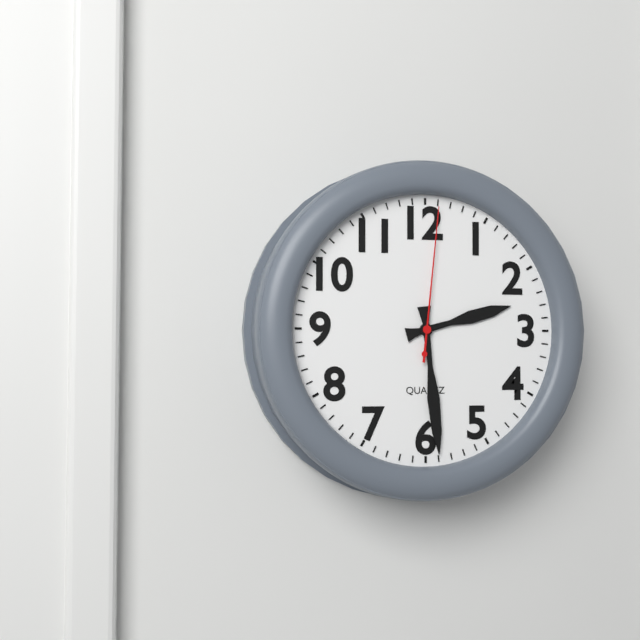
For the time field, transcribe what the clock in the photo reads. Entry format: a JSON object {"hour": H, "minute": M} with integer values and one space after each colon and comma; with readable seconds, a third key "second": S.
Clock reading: {"hour": 2, "minute": 29, "second": 1}
